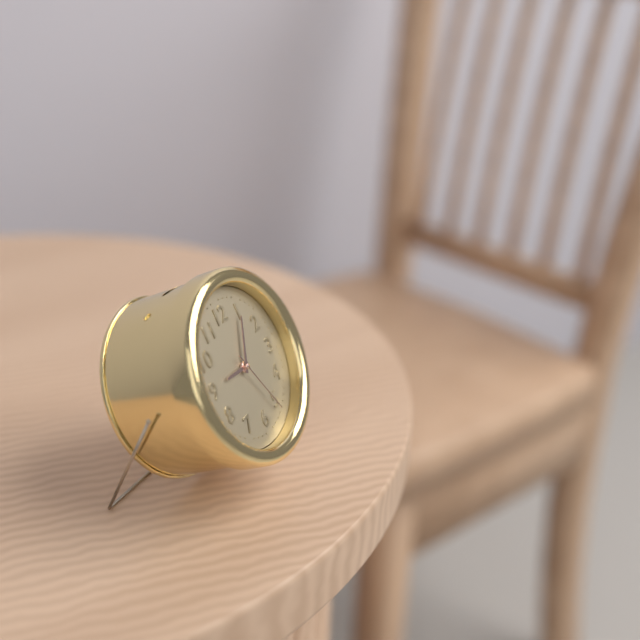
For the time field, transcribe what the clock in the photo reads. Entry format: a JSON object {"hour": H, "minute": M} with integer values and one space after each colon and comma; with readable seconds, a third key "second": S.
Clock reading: {"hour": 9, "minute": 5, "second": 26}
